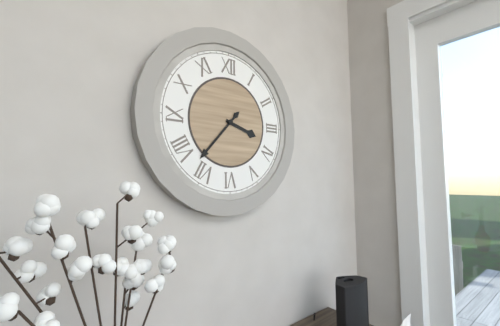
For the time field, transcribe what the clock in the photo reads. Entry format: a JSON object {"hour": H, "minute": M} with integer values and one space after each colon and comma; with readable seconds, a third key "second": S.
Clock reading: {"hour": 3, "minute": 37}
